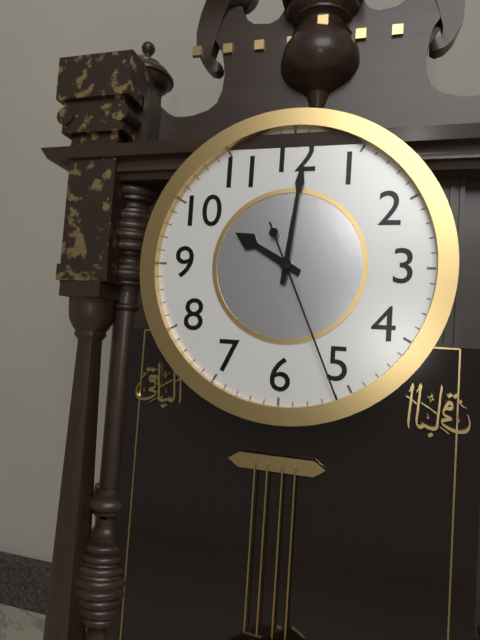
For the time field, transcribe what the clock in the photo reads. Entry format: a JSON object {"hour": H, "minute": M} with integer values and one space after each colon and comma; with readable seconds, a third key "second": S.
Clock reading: {"hour": 10, "minute": 1, "second": 26}
